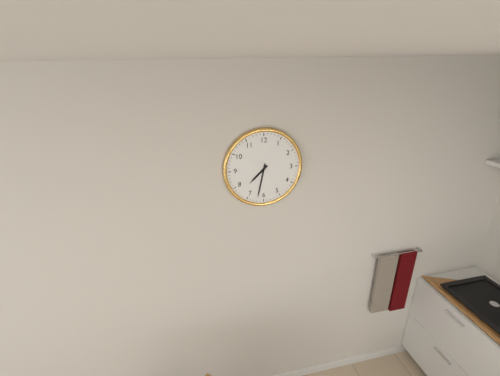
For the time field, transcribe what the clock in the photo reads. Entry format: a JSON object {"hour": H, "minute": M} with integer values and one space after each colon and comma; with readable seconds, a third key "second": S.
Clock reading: {"hour": 7, "minute": 32}
